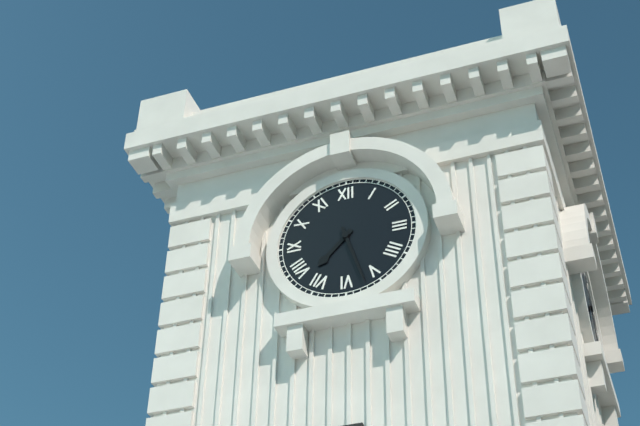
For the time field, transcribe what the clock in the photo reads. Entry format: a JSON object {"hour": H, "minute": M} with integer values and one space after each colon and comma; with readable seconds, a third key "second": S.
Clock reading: {"hour": 7, "minute": 27}
